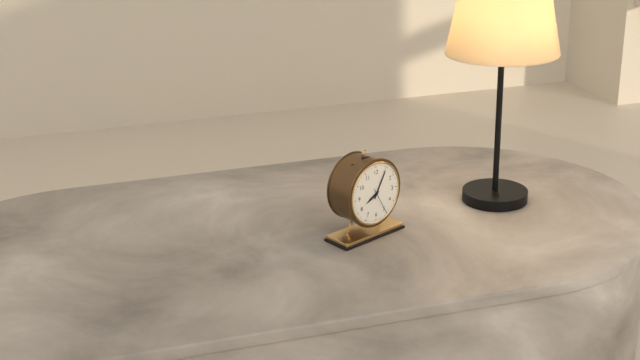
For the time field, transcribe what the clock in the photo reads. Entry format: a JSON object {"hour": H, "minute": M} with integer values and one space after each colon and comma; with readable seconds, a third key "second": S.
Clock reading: {"hour": 8, "minute": 5}
